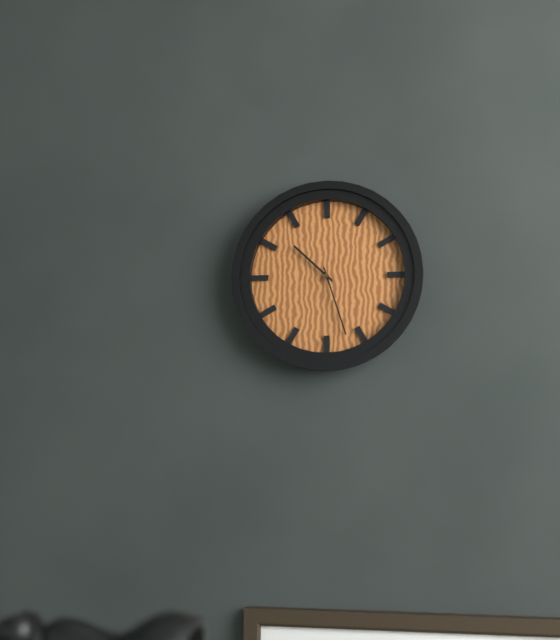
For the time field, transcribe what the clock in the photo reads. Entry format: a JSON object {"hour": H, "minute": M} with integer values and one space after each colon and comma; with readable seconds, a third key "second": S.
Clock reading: {"hour": 10, "minute": 27}
